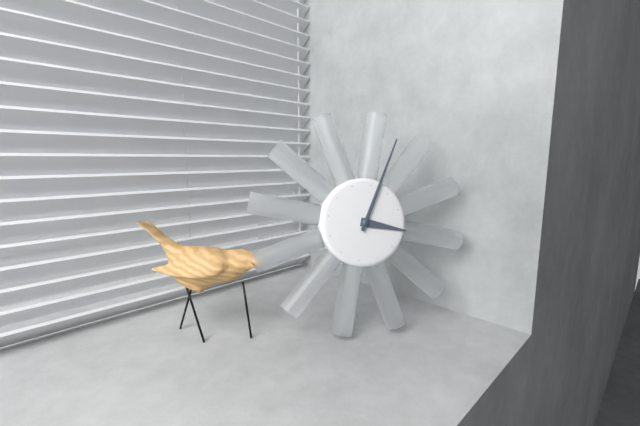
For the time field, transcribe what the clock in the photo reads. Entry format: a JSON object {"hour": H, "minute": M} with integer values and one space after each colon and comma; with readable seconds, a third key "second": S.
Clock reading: {"hour": 3, "minute": 2}
